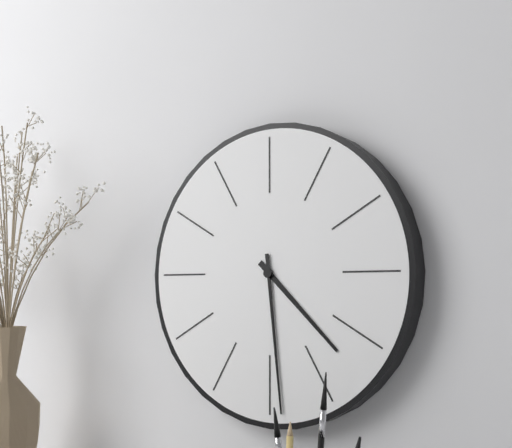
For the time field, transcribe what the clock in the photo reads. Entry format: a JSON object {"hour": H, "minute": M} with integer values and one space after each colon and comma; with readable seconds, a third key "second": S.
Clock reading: {"hour": 4, "minute": 29}
